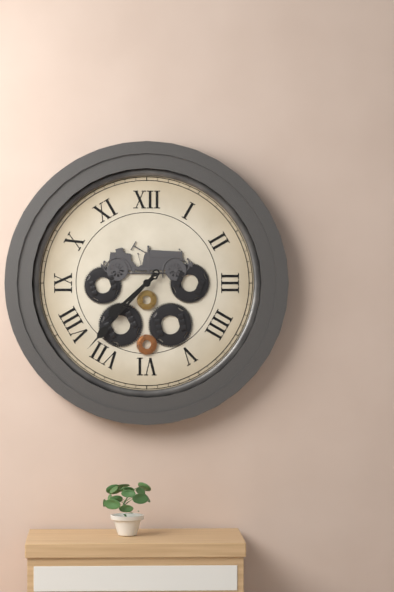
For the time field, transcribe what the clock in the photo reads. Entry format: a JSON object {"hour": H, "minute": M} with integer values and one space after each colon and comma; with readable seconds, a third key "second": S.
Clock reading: {"hour": 7, "minute": 37}
